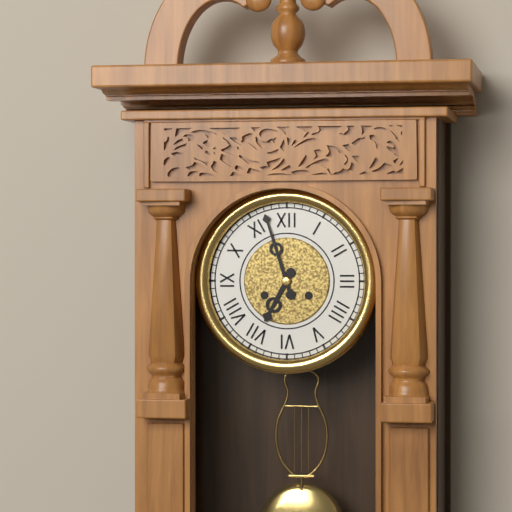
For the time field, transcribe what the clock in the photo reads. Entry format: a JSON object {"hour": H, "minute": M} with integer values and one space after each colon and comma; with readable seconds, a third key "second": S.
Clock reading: {"hour": 6, "minute": 57}
